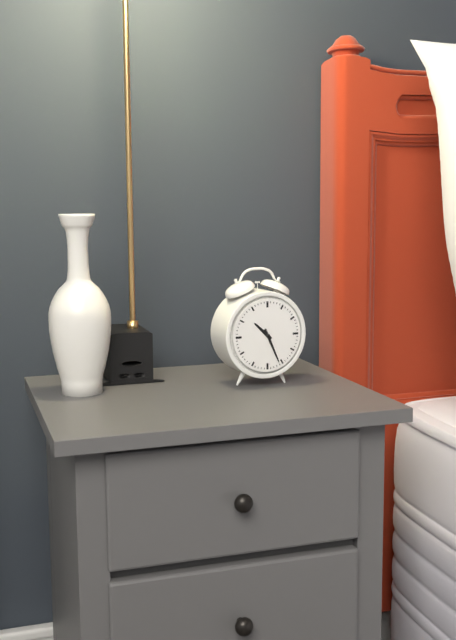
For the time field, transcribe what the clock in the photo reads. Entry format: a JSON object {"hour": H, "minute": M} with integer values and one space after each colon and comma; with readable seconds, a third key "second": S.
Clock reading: {"hour": 10, "minute": 26}
